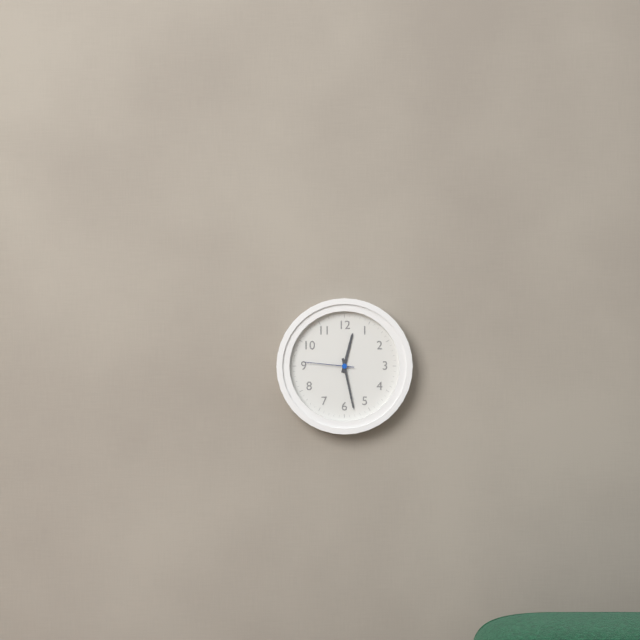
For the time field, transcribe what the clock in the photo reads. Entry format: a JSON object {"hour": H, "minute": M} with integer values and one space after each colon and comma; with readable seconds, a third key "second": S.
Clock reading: {"hour": 12, "minute": 28, "second": 46}
